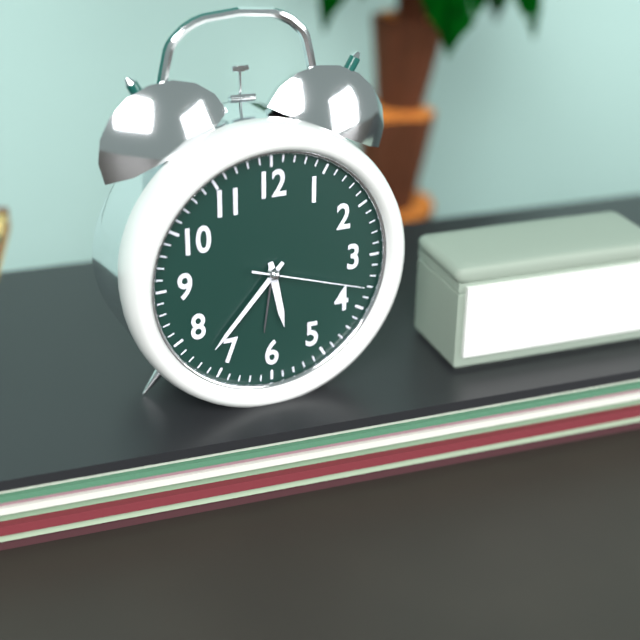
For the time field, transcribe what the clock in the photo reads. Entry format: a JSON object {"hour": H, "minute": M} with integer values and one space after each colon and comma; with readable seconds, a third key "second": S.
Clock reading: {"hour": 5, "minute": 37, "second": 18}
